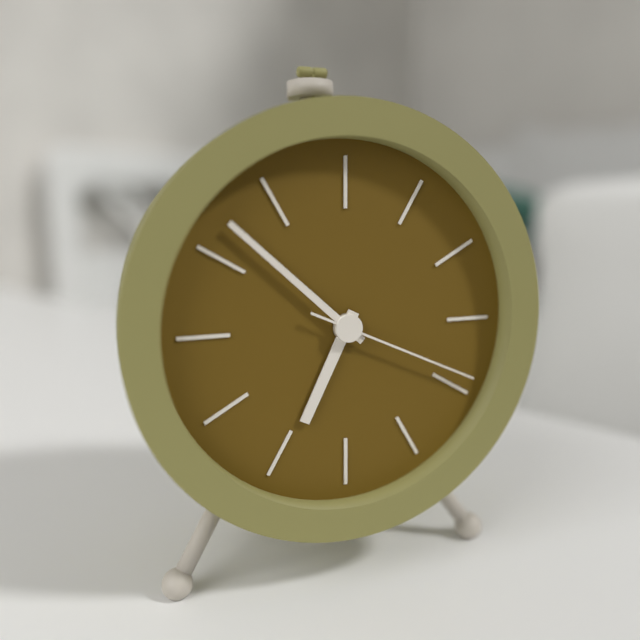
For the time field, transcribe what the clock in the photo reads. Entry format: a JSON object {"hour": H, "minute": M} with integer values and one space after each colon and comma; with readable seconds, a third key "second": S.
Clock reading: {"hour": 6, "minute": 52, "second": 19}
